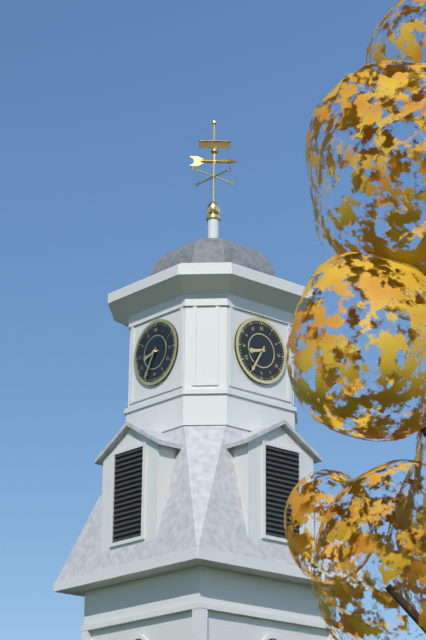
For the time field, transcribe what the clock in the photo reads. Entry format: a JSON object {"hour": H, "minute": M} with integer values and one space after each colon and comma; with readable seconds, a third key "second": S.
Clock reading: {"hour": 8, "minute": 35}
